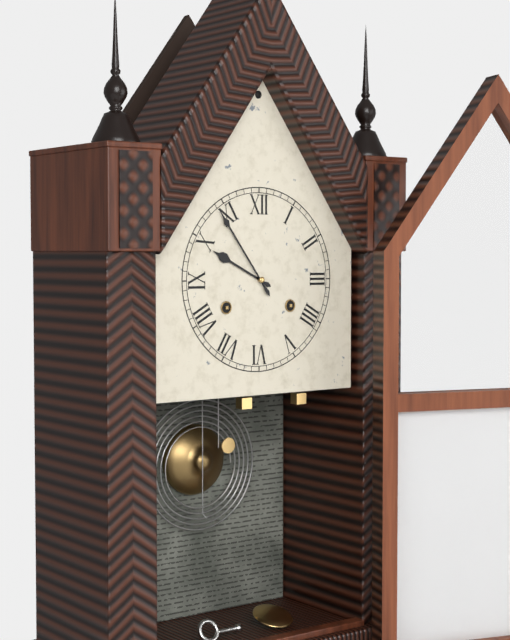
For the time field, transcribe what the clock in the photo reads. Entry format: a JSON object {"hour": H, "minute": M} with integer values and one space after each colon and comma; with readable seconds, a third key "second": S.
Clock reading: {"hour": 9, "minute": 54}
